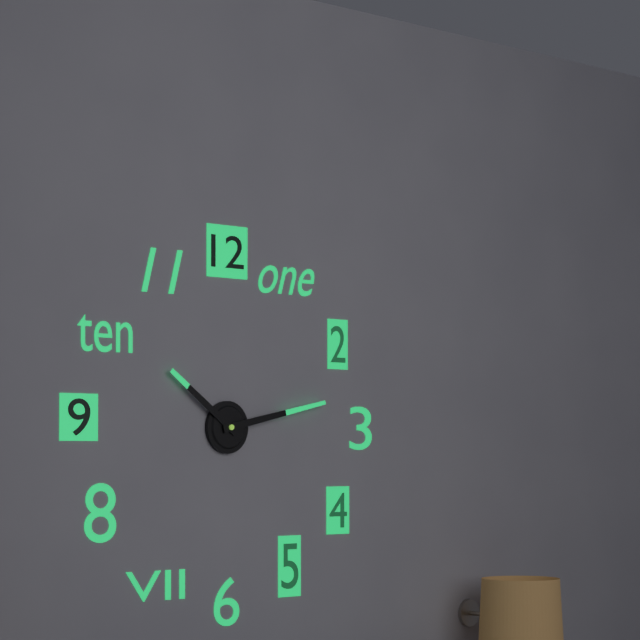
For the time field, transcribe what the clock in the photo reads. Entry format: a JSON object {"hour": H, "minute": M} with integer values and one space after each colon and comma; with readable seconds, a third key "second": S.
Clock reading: {"hour": 10, "minute": 13}
